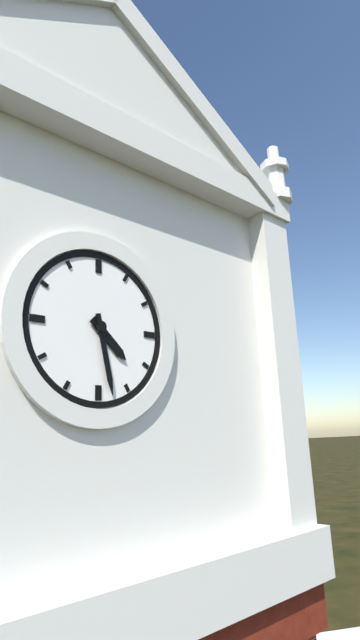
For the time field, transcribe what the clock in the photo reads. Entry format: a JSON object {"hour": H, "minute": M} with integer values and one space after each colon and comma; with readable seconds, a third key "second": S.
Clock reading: {"hour": 4, "minute": 28}
